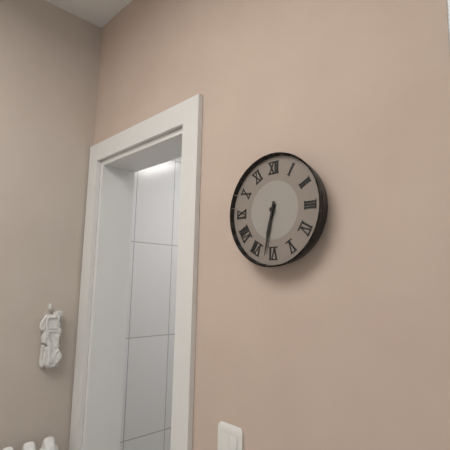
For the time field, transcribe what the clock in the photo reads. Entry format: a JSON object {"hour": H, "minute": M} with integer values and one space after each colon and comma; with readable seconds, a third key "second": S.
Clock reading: {"hour": 6, "minute": 32}
